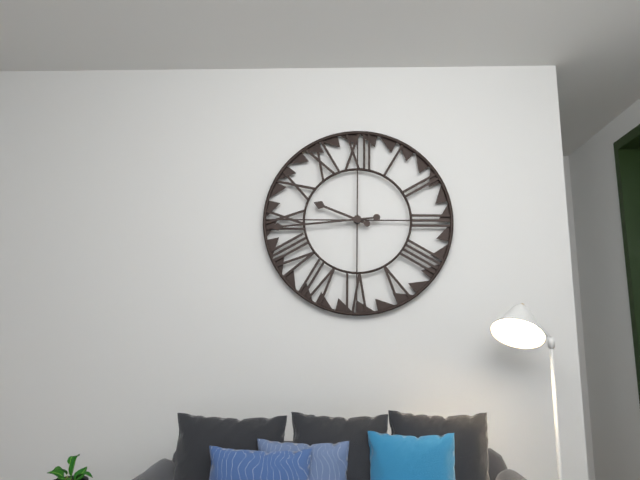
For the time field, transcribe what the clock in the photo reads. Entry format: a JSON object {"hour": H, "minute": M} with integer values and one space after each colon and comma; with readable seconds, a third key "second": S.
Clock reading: {"hour": 9, "minute": 44}
